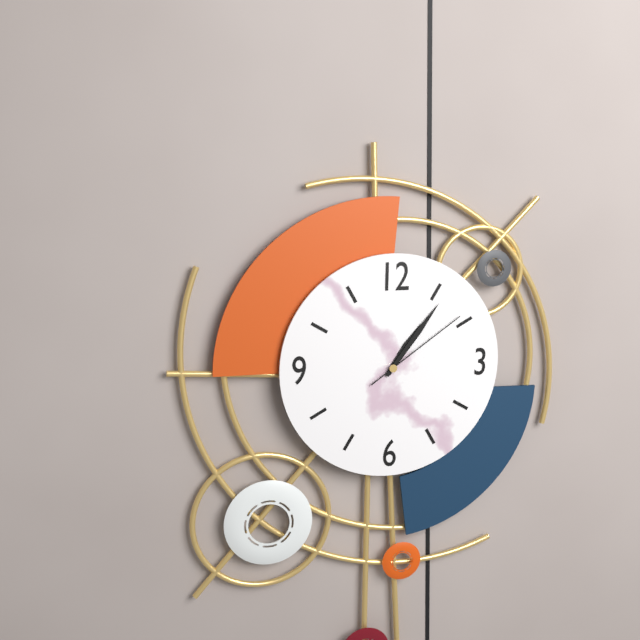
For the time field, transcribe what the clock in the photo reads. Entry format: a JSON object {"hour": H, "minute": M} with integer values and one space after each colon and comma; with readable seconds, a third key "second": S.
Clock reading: {"hour": 1, "minute": 6, "second": 9}
